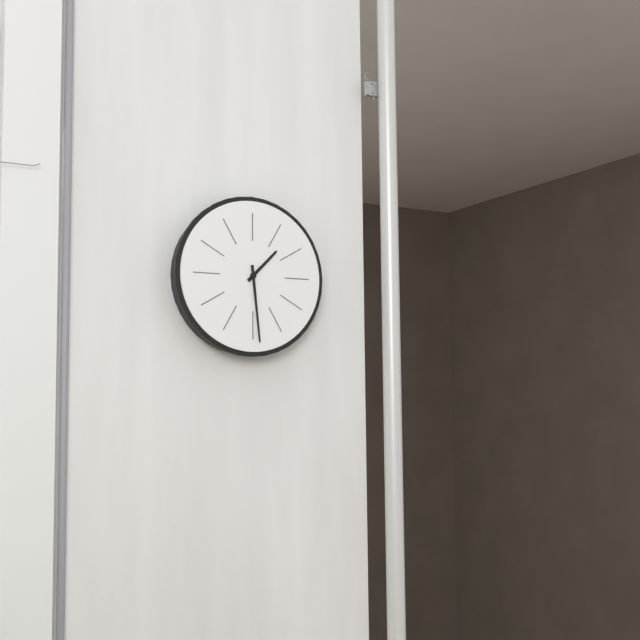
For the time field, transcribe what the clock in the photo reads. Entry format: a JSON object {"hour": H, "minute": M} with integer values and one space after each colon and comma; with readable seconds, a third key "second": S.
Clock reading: {"hour": 1, "minute": 29}
